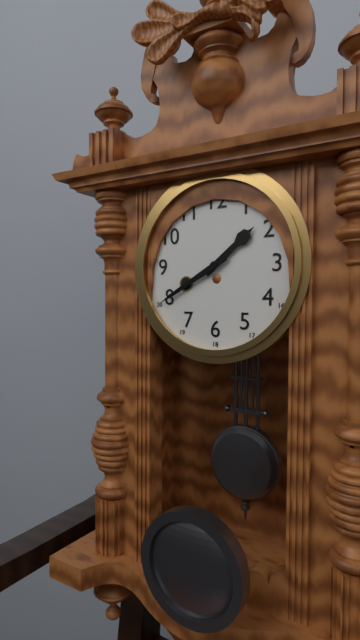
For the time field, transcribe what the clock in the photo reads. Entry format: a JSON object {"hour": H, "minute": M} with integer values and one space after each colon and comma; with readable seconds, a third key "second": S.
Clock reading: {"hour": 1, "minute": 40}
